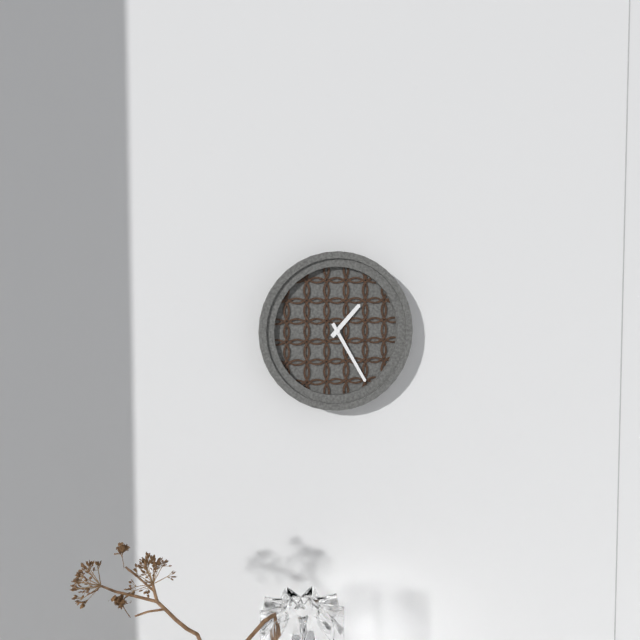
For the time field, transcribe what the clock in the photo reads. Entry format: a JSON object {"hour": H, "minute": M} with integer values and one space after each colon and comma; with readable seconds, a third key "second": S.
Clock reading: {"hour": 1, "minute": 25}
